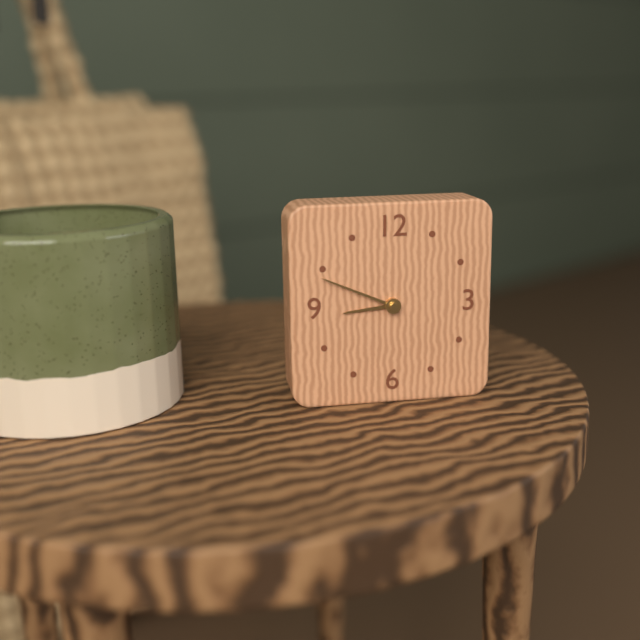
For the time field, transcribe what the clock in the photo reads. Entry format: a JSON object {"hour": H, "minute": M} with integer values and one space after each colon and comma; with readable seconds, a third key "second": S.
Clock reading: {"hour": 8, "minute": 49}
